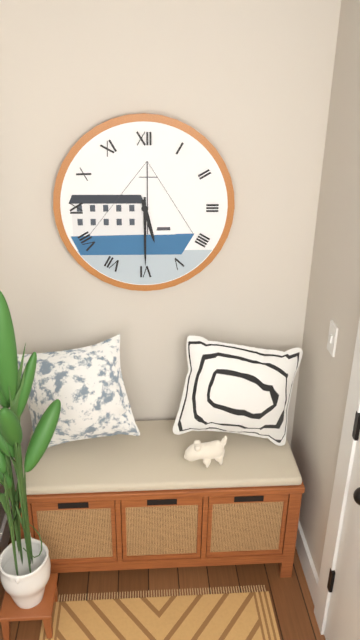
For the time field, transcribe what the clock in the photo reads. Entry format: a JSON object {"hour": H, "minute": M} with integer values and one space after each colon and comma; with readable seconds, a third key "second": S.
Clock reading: {"hour": 5, "minute": 30}
